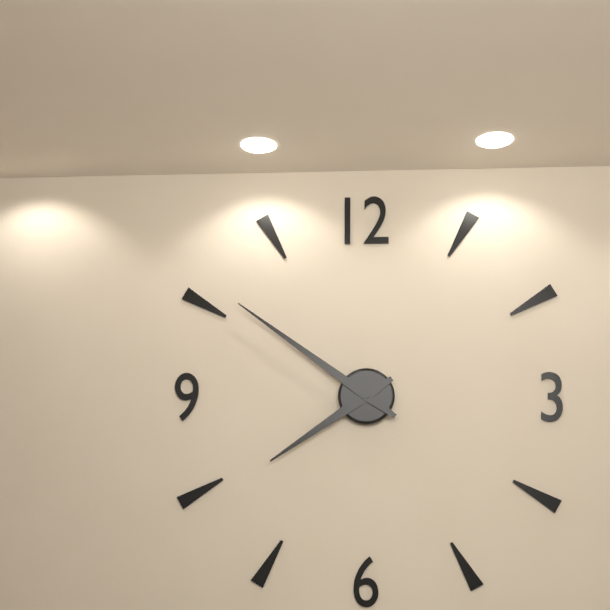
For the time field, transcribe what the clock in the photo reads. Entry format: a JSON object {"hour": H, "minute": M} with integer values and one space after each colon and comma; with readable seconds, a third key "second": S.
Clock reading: {"hour": 7, "minute": 51}
